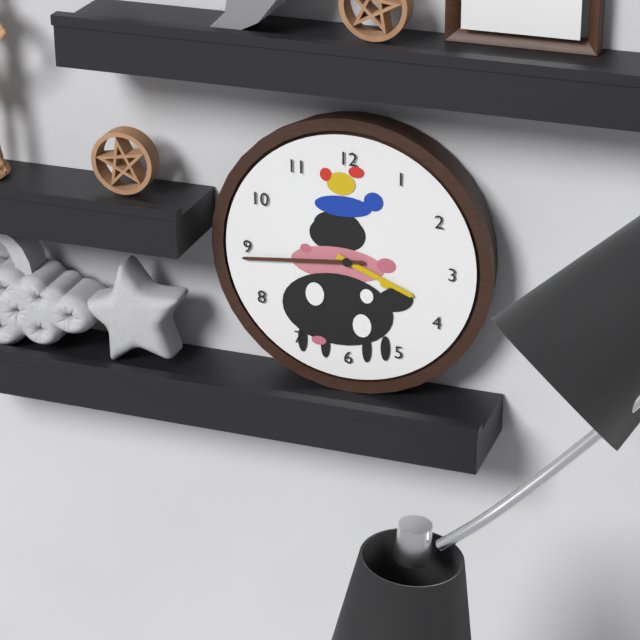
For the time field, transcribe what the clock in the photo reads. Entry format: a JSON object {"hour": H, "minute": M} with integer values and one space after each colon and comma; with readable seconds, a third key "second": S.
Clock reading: {"hour": 3, "minute": 44}
